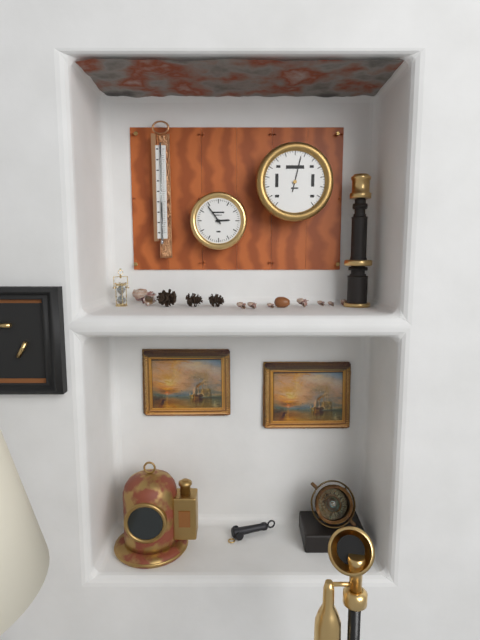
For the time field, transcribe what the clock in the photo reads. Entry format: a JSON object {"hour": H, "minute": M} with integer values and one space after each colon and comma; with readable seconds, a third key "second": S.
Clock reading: {"hour": 2, "minute": 54}
